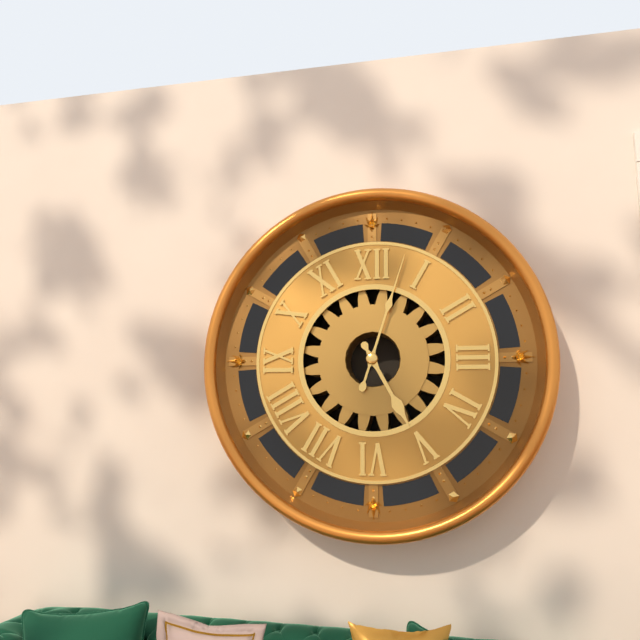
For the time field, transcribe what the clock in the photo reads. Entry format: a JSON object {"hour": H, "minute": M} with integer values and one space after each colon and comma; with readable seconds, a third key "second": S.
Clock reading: {"hour": 5, "minute": 3}
